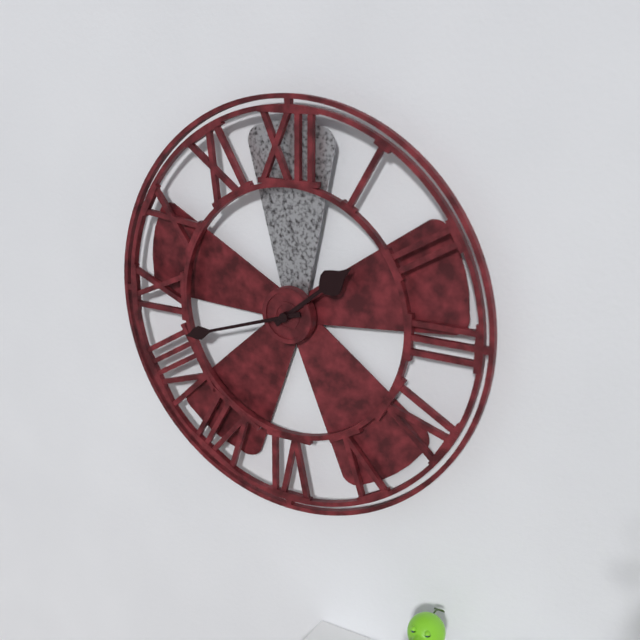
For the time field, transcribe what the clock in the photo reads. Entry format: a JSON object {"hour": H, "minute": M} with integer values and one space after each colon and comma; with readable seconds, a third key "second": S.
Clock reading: {"hour": 1, "minute": 42}
